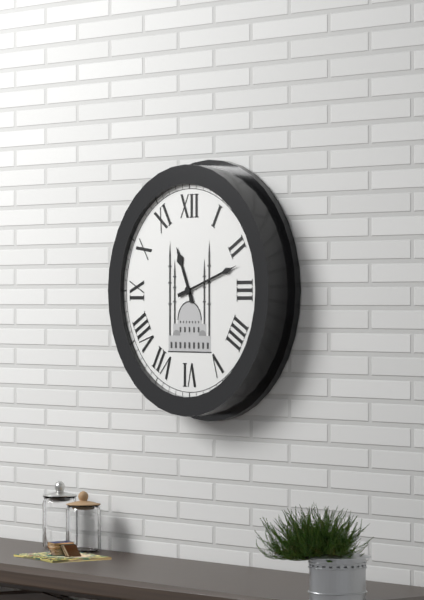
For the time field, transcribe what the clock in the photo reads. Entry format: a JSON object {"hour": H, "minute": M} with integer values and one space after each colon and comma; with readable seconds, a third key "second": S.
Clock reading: {"hour": 11, "minute": 12}
